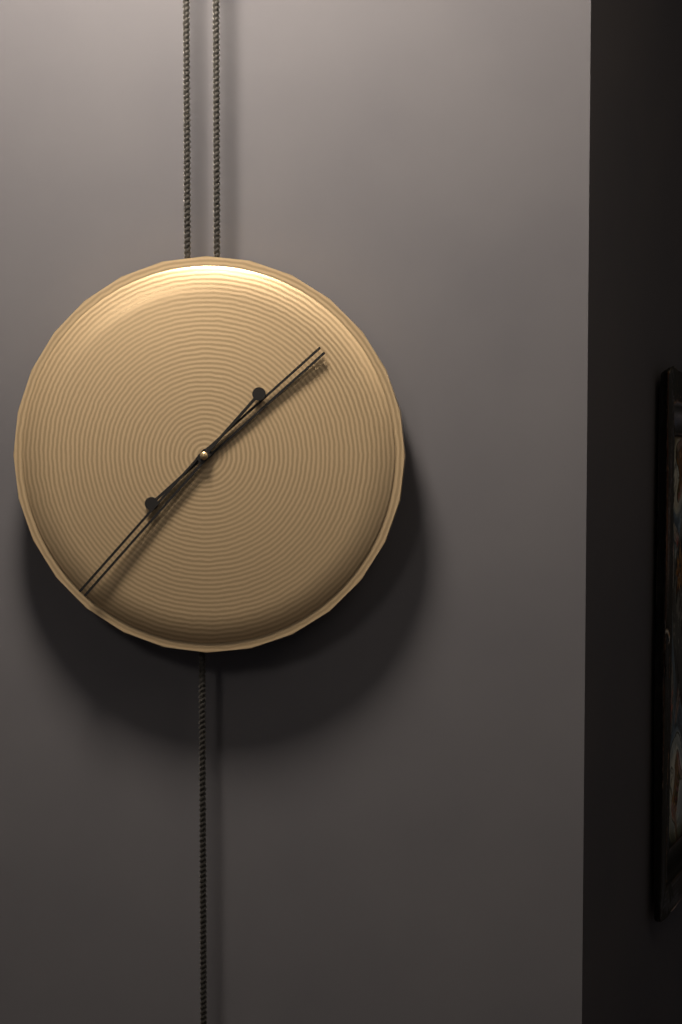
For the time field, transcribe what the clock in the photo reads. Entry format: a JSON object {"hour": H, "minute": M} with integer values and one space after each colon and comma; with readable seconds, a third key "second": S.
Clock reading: {"hour": 1, "minute": 37}
